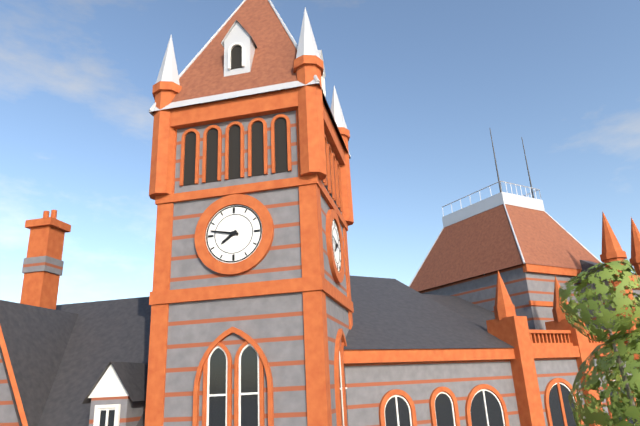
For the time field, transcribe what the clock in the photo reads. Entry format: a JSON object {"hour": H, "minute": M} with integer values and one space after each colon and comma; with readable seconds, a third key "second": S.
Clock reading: {"hour": 7, "minute": 47}
